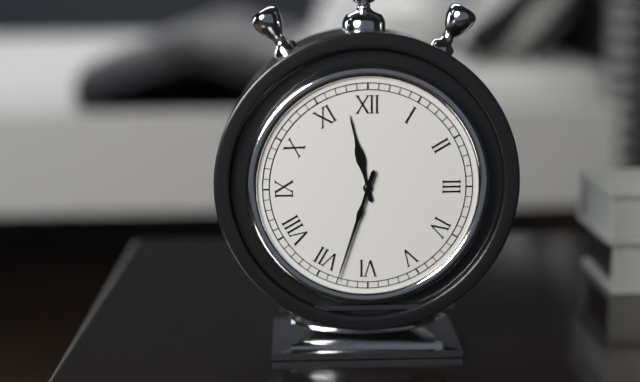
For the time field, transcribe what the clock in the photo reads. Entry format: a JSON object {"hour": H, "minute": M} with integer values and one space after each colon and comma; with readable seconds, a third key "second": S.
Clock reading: {"hour": 11, "minute": 33}
